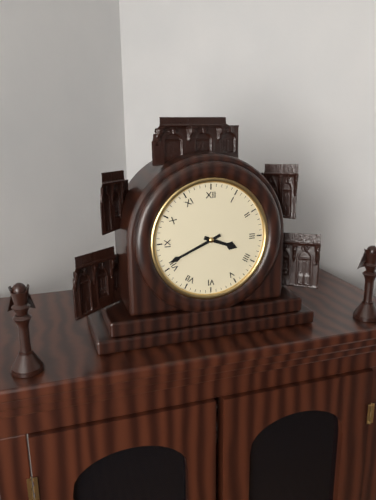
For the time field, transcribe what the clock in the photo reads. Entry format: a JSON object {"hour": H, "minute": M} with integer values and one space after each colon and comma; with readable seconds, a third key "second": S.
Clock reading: {"hour": 3, "minute": 41}
